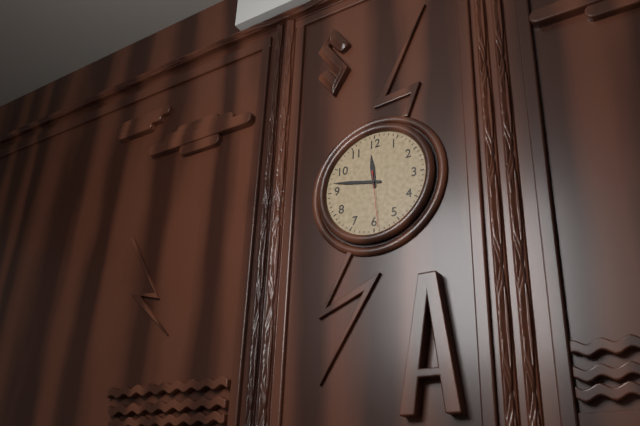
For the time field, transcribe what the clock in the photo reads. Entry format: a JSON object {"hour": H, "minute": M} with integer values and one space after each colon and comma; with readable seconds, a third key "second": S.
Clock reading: {"hour": 11, "minute": 47, "second": 29}
